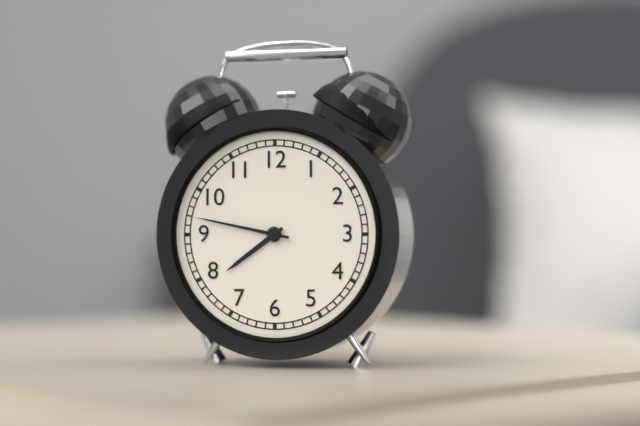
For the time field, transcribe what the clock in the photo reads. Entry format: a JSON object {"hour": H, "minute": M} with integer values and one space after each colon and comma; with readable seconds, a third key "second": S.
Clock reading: {"hour": 7, "minute": 47}
